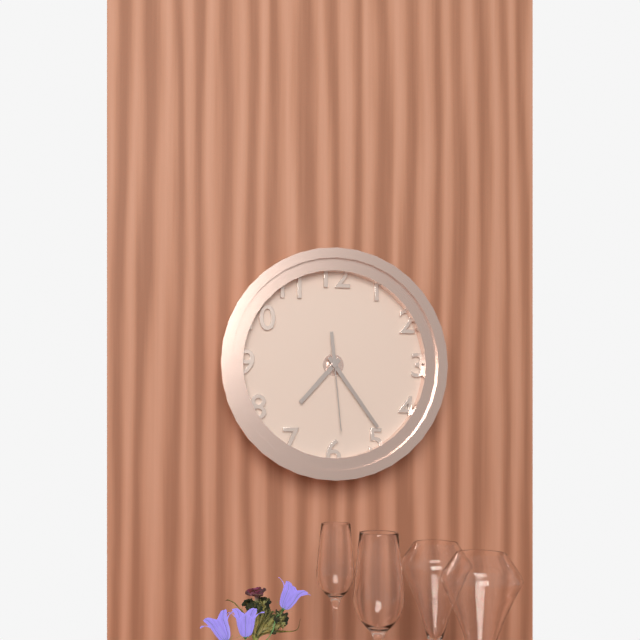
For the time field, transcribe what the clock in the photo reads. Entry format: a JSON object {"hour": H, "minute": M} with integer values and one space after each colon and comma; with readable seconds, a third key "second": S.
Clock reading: {"hour": 7, "minute": 24, "second": 29}
